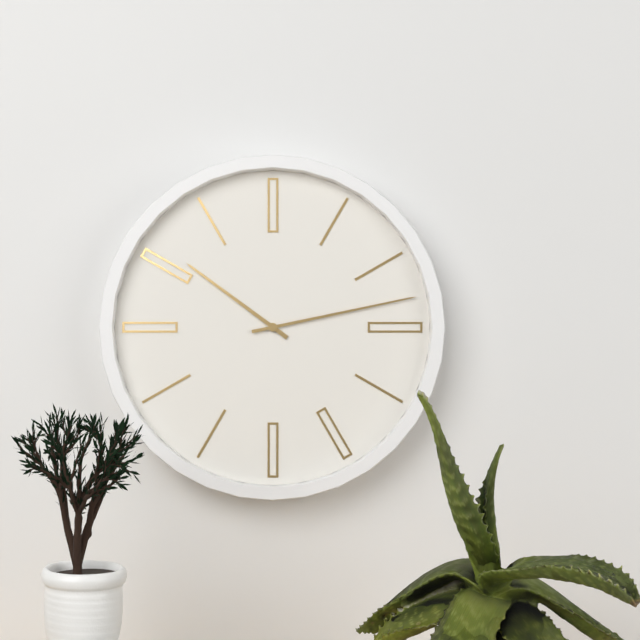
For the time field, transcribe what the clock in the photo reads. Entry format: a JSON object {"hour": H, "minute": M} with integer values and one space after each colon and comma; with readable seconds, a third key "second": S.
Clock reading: {"hour": 10, "minute": 13}
